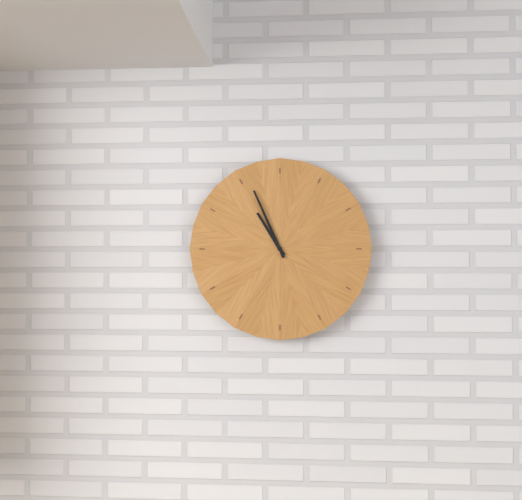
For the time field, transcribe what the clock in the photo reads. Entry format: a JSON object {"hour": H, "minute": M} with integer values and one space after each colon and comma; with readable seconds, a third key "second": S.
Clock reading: {"hour": 10, "minute": 56}
